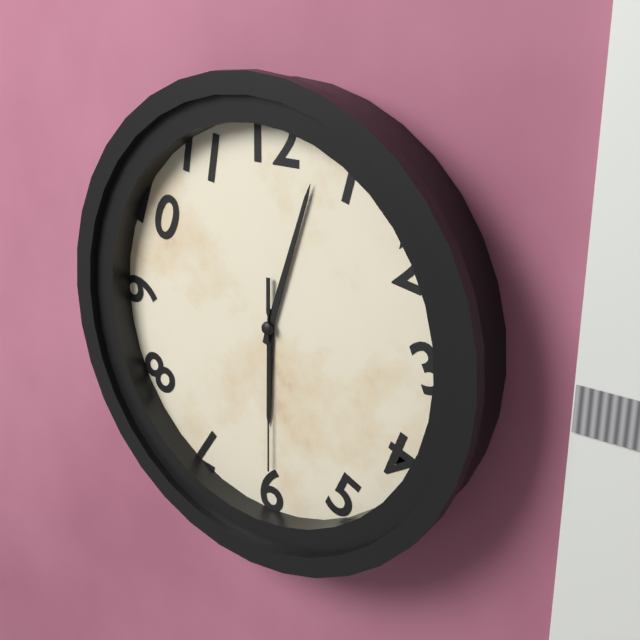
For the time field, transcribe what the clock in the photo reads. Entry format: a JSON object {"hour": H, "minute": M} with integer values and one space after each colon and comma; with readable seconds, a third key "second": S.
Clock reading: {"hour": 6, "minute": 3, "second": 30}
